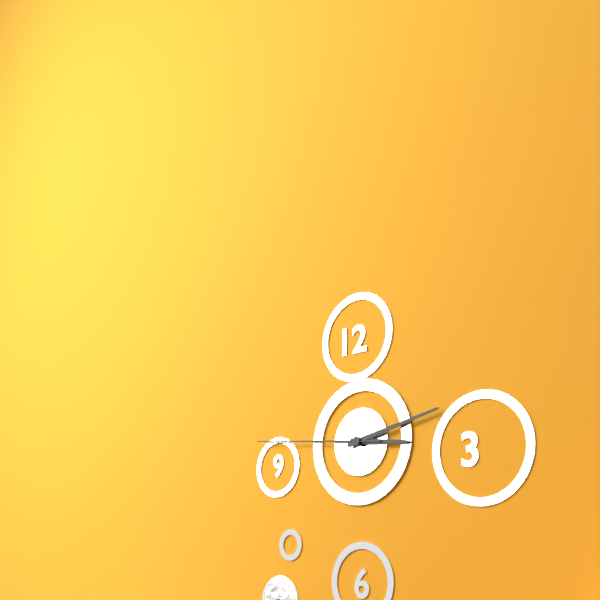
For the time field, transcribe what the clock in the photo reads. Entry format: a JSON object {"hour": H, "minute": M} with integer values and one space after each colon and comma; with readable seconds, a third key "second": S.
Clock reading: {"hour": 3, "minute": 13, "second": 46}
